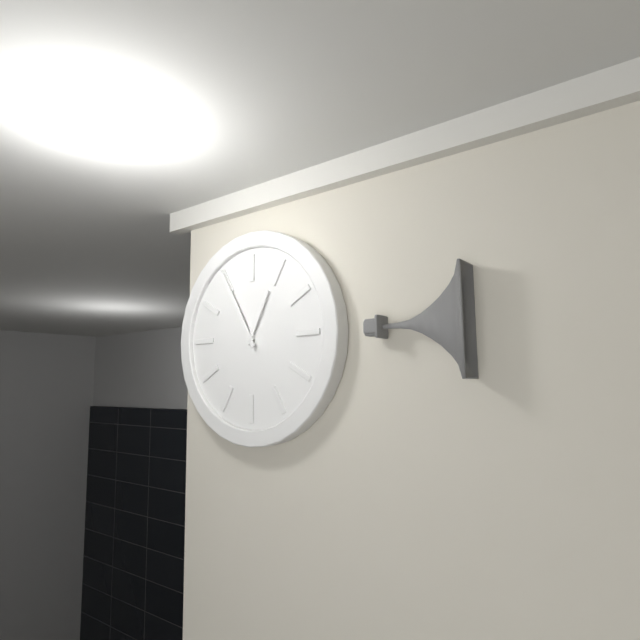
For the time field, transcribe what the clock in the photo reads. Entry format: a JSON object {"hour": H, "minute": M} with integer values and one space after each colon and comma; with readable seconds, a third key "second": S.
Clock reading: {"hour": 12, "minute": 55}
